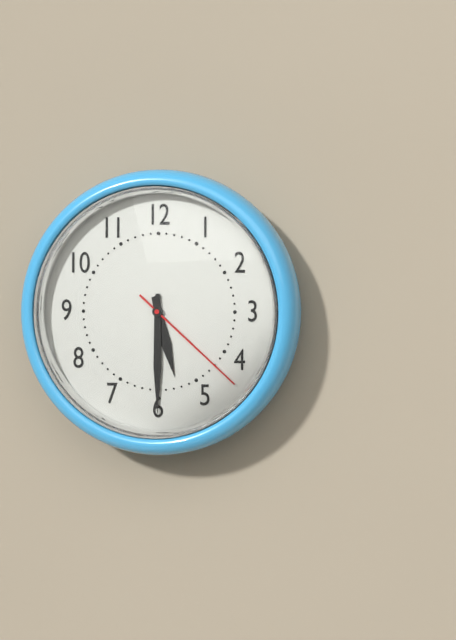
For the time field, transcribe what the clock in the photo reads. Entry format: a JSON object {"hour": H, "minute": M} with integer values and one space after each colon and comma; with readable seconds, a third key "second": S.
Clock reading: {"hour": 5, "minute": 30, "second": 22}
